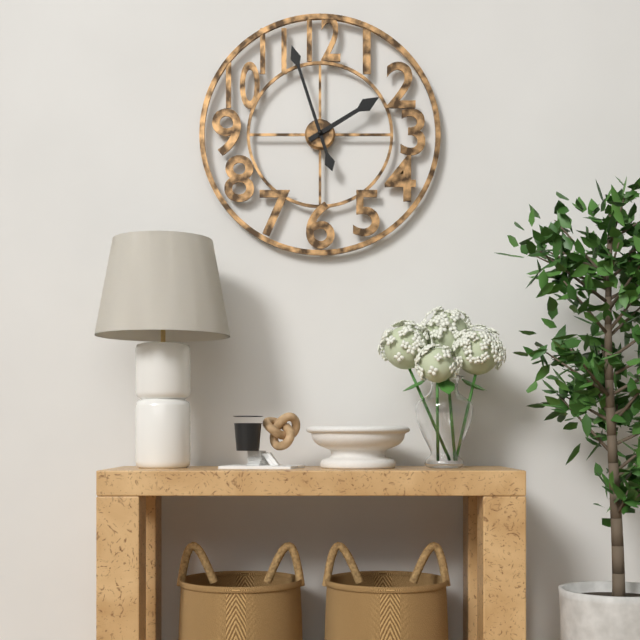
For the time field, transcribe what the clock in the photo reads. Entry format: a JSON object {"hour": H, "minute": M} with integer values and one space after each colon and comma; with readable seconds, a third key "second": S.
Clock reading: {"hour": 1, "minute": 57}
